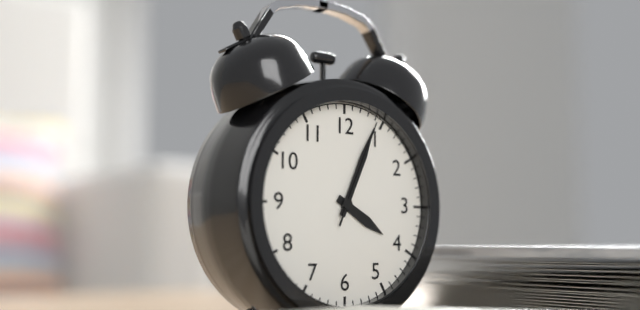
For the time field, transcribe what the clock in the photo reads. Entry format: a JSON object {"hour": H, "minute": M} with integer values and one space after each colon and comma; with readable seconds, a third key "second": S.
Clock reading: {"hour": 4, "minute": 4, "second": 4}
